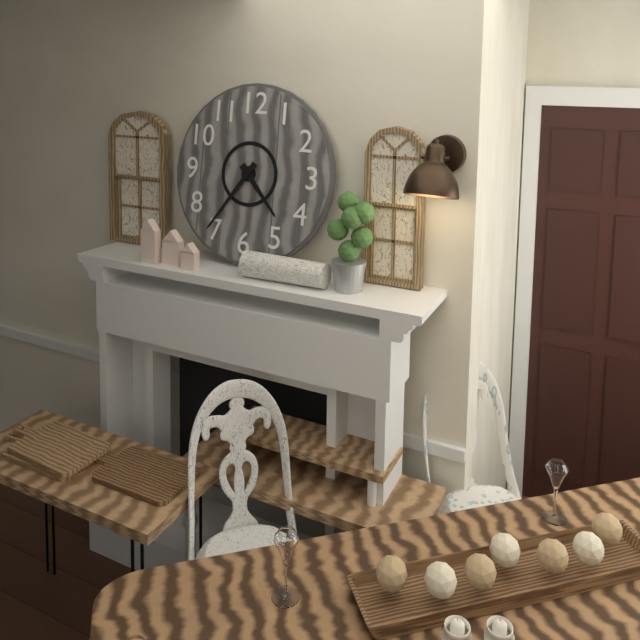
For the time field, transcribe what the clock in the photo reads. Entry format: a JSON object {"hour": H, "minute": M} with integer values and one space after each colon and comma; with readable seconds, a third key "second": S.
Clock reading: {"hour": 4, "minute": 36}
